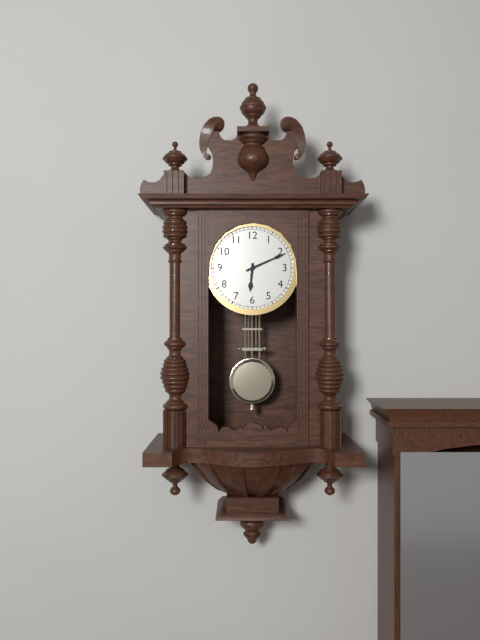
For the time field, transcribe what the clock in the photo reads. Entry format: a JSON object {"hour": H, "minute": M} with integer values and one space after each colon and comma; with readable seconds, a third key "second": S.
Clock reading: {"hour": 6, "minute": 11}
